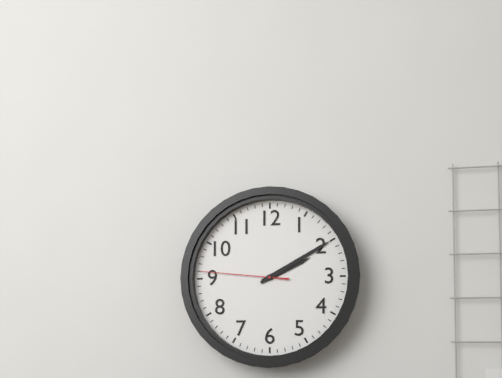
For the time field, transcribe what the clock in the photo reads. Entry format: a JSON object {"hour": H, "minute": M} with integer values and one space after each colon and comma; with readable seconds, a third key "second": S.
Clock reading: {"hour": 2, "minute": 10, "second": 46}
